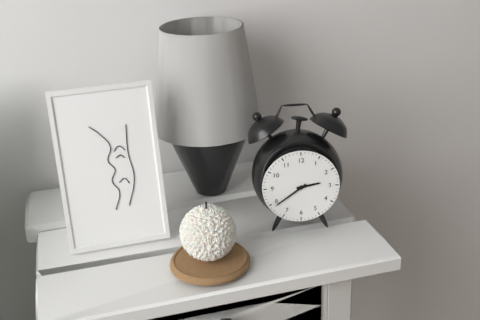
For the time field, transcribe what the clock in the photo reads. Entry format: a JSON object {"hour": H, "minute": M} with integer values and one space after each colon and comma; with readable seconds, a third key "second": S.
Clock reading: {"hour": 2, "minute": 39}
